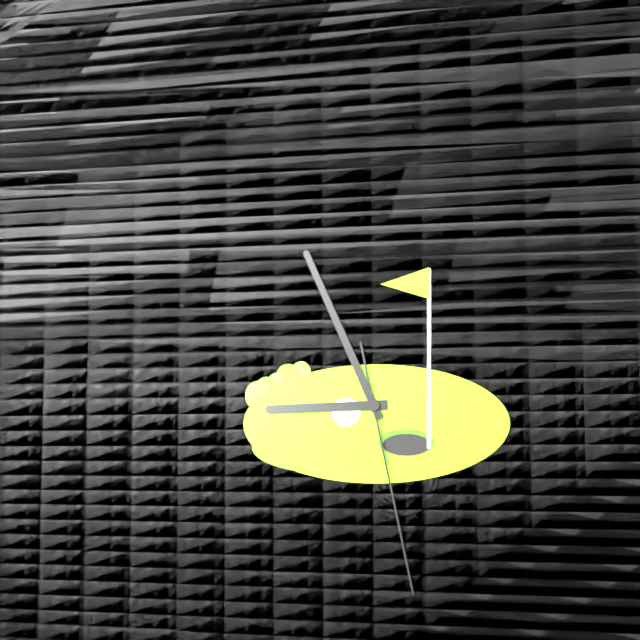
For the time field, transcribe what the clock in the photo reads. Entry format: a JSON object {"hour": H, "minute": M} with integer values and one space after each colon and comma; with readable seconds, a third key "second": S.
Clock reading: {"hour": 8, "minute": 56, "second": 28}
